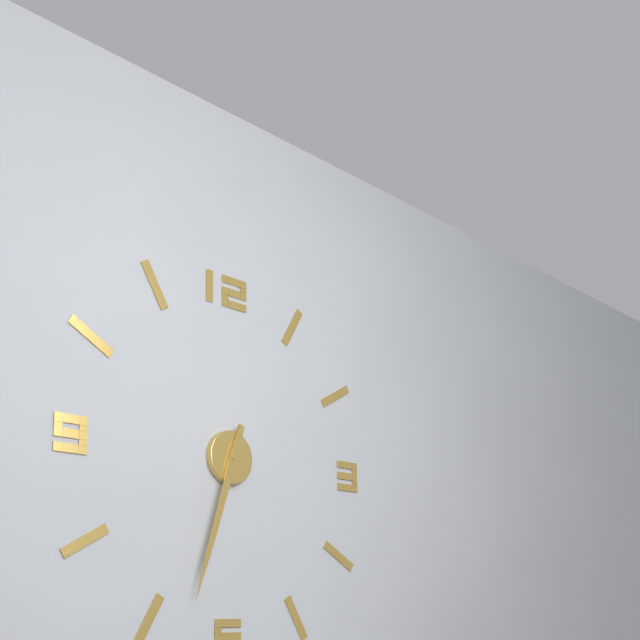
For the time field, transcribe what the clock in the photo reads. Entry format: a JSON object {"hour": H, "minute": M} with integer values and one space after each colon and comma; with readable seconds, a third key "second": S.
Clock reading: {"hour": 6, "minute": 33}
